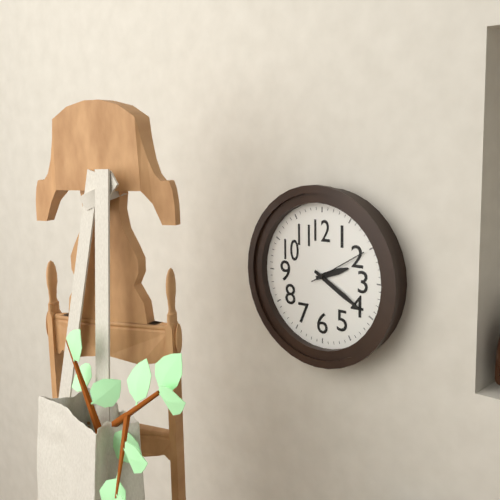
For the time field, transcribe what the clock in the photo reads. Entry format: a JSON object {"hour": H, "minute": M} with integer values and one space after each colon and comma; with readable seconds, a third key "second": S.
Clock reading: {"hour": 2, "minute": 20, "second": 10}
